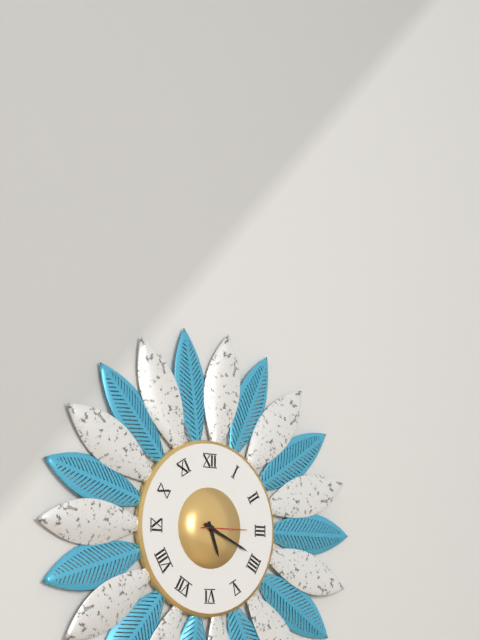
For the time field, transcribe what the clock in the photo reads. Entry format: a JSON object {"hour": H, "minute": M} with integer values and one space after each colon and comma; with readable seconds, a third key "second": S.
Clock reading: {"hour": 5, "minute": 19, "second": 15}
